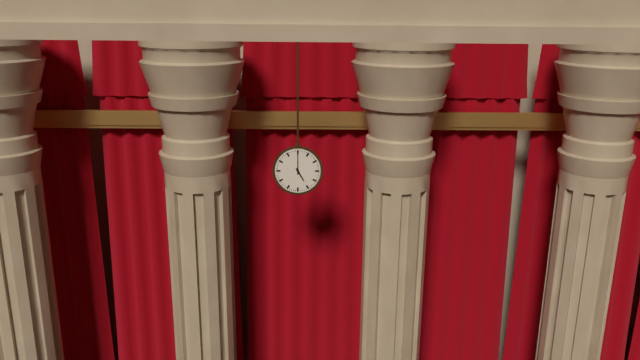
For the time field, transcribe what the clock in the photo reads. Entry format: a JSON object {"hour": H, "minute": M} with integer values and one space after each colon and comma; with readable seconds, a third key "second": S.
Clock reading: {"hour": 5, "minute": 0}
